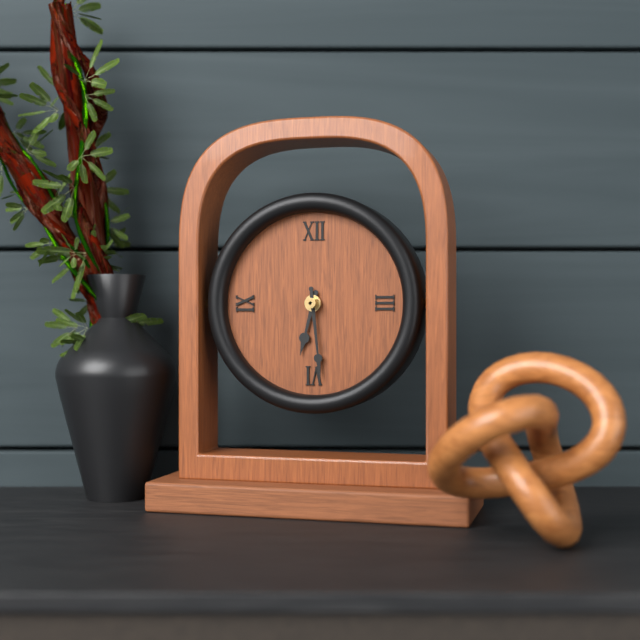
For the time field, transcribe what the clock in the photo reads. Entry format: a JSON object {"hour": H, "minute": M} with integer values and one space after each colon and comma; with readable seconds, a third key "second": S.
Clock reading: {"hour": 6, "minute": 29}
